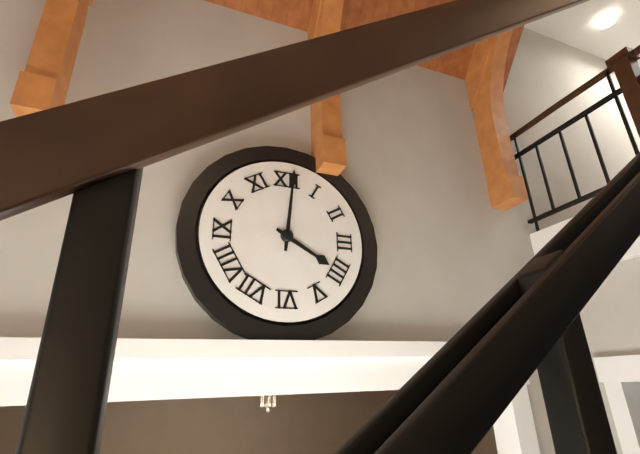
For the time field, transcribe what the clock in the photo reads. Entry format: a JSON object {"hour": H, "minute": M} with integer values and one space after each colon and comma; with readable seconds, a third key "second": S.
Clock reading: {"hour": 4, "minute": 1}
